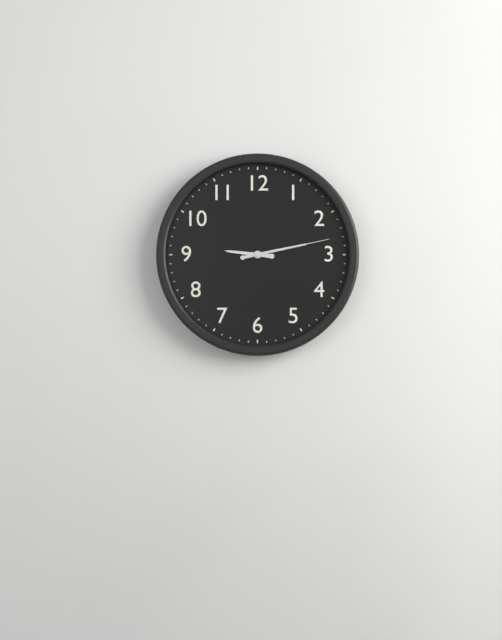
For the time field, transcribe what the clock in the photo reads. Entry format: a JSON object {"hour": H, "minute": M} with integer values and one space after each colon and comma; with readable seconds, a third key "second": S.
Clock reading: {"hour": 9, "minute": 13, "second": 13}
